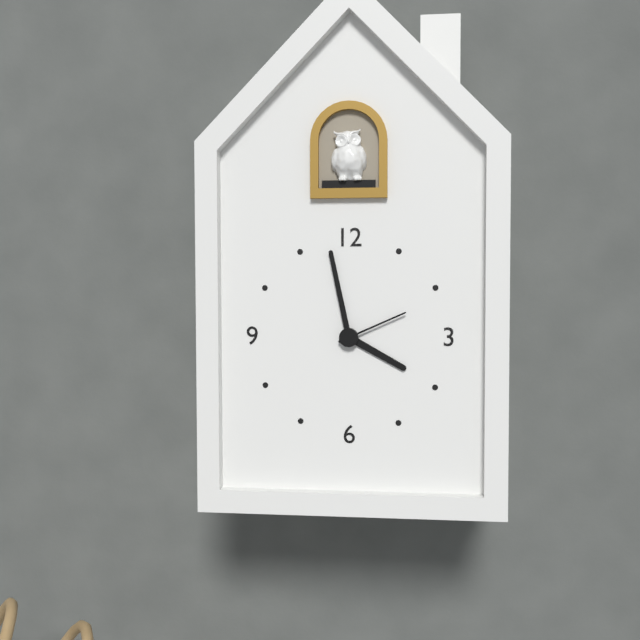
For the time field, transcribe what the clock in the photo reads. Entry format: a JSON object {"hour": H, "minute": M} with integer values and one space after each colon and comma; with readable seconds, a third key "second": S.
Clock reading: {"hour": 3, "minute": 58, "second": 11}
